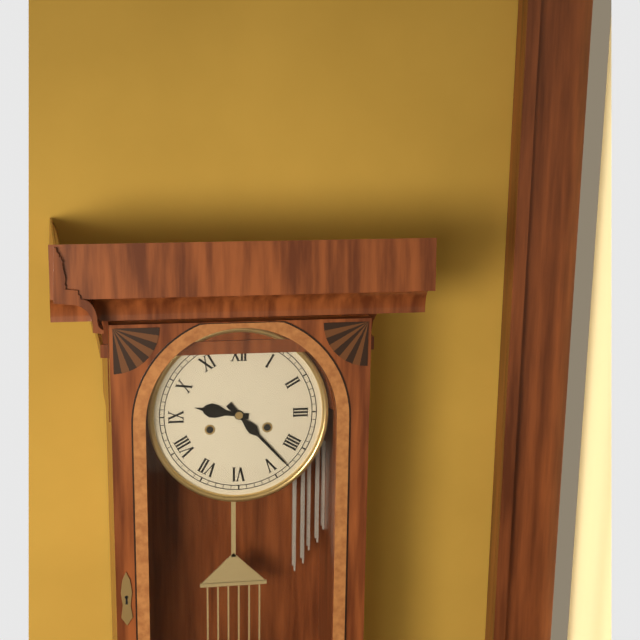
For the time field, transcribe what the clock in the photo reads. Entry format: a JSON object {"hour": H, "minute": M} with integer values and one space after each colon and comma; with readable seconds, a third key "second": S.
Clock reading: {"hour": 9, "minute": 23}
